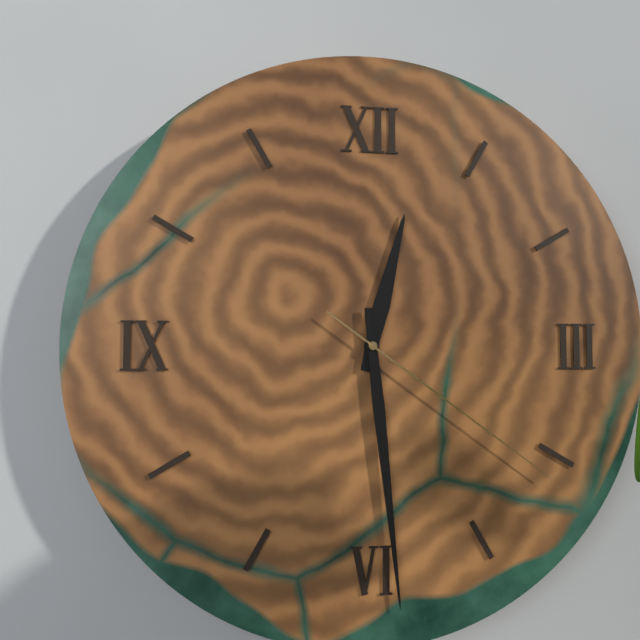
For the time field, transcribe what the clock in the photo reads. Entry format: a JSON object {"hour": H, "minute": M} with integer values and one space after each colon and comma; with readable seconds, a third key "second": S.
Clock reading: {"hour": 12, "minute": 29, "second": 21}
